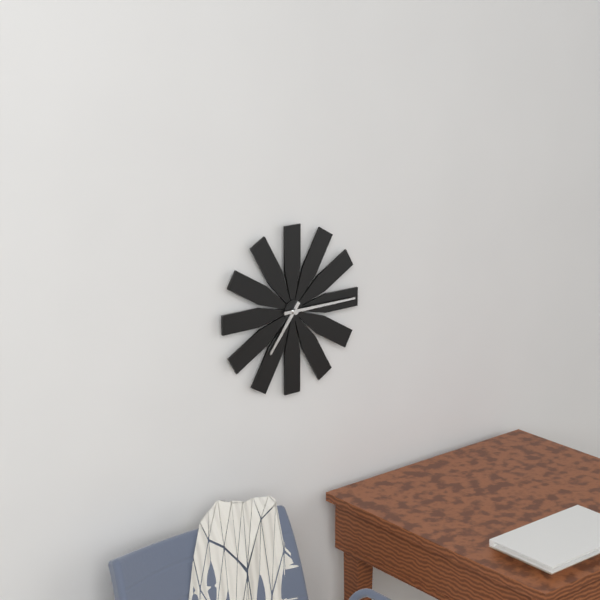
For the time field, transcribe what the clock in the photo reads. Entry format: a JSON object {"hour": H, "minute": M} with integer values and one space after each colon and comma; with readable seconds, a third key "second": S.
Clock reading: {"hour": 7, "minute": 15}
